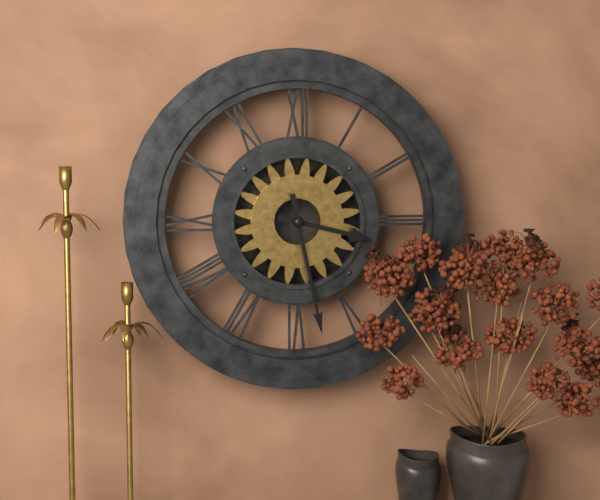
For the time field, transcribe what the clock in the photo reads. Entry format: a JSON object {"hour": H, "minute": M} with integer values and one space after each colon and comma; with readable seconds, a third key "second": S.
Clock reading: {"hour": 3, "minute": 28}
